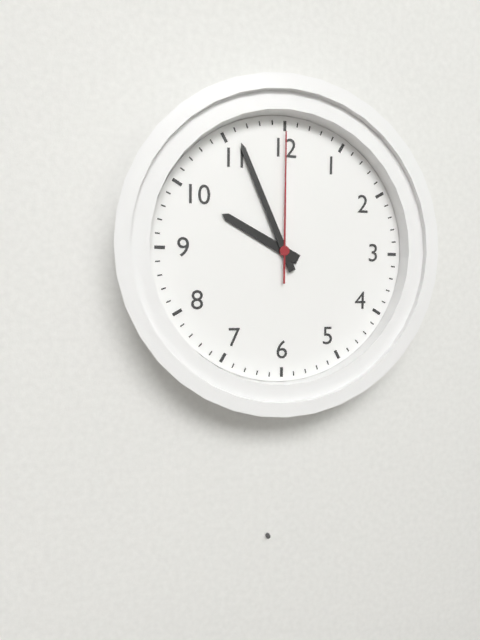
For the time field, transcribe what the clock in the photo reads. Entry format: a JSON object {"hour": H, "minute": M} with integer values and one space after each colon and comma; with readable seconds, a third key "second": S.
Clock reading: {"hour": 9, "minute": 56, "second": 0}
